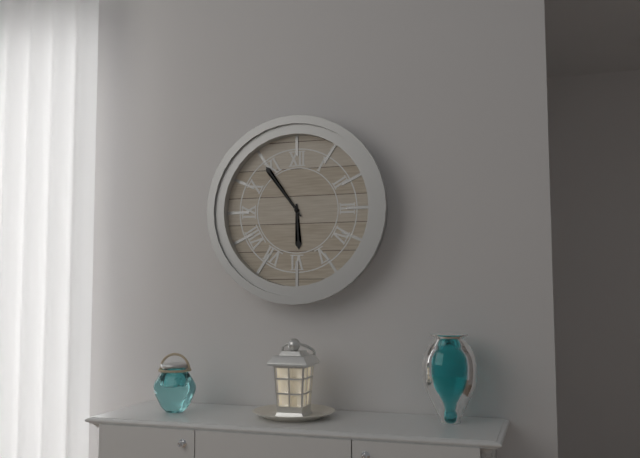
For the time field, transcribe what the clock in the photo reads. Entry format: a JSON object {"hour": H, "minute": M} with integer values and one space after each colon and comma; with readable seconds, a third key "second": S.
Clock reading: {"hour": 5, "minute": 54}
